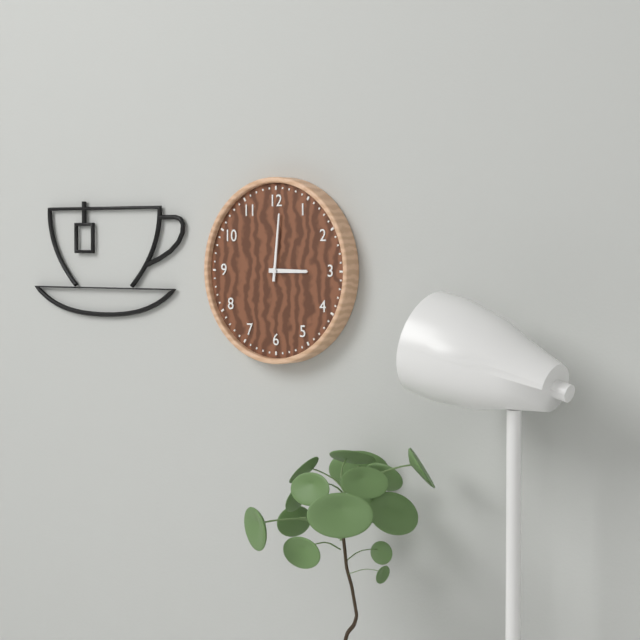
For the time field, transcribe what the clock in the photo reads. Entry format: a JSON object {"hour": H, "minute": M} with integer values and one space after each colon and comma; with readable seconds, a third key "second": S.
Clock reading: {"hour": 3, "minute": 1}
